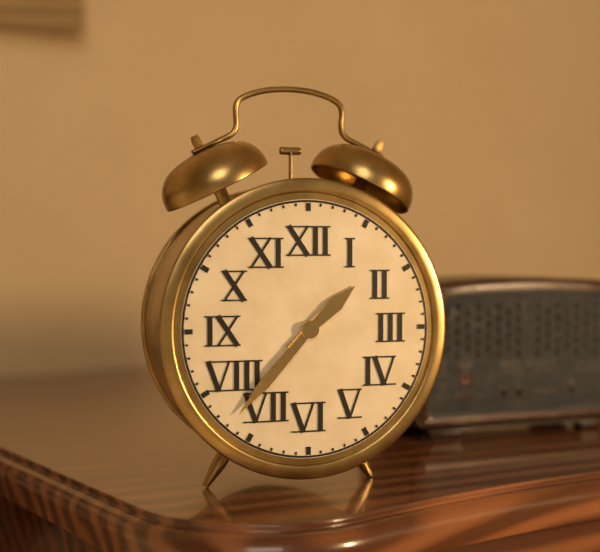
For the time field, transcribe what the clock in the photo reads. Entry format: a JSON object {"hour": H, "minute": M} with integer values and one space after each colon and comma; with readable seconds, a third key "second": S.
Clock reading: {"hour": 1, "minute": 37}
